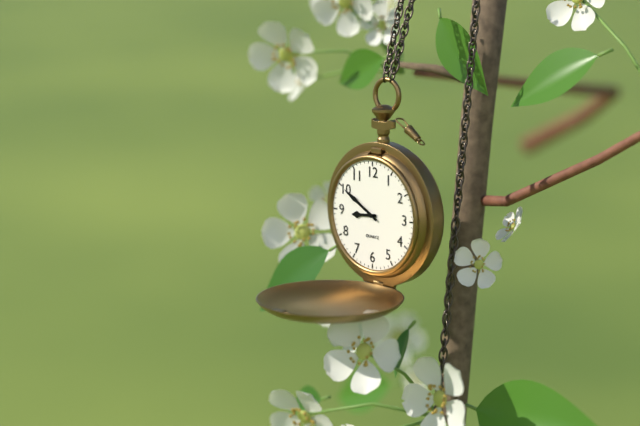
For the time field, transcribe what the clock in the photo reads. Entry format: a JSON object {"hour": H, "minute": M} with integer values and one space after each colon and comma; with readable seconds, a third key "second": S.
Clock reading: {"hour": 8, "minute": 50}
